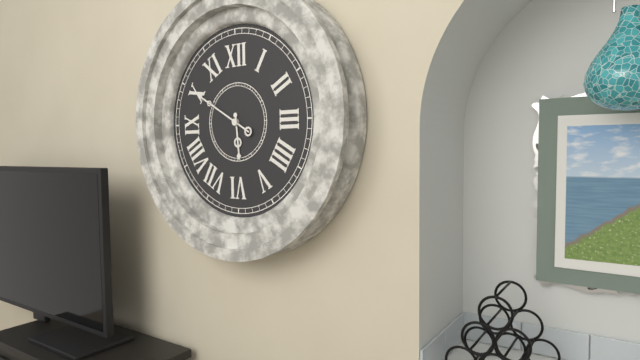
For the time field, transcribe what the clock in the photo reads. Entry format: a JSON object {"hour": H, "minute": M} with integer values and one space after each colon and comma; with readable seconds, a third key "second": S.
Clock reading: {"hour": 5, "minute": 50}
